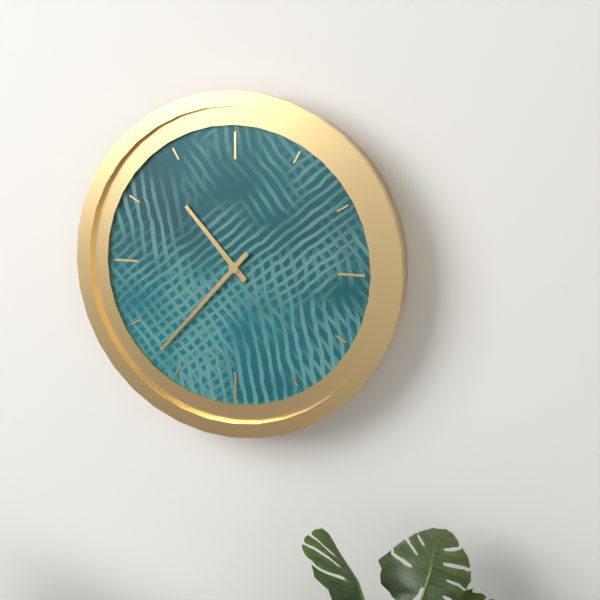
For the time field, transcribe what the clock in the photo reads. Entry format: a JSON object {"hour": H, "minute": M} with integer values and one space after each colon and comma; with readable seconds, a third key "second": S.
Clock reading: {"hour": 10, "minute": 37}
